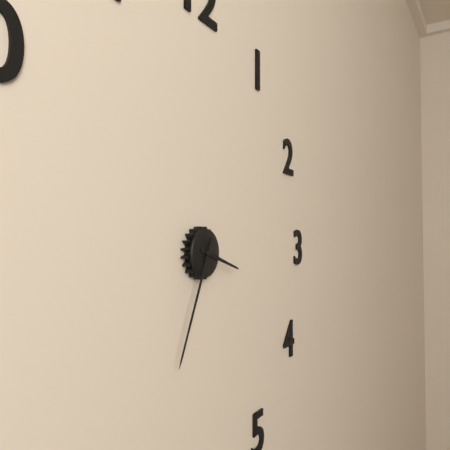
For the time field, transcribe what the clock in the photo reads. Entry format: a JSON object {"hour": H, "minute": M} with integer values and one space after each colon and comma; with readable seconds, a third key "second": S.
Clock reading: {"hour": 3, "minute": 34}
